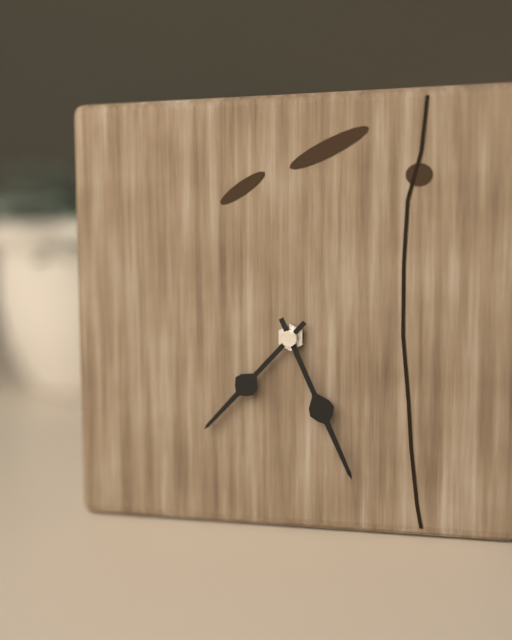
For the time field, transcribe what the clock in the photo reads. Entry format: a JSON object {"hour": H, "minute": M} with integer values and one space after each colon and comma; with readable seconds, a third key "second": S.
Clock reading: {"hour": 7, "minute": 26}
